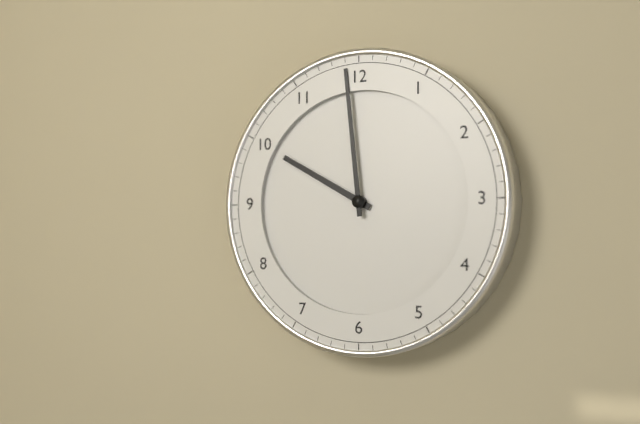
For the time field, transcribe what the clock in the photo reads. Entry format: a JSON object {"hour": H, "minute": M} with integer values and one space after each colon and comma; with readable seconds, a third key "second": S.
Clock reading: {"hour": 9, "minute": 59}
